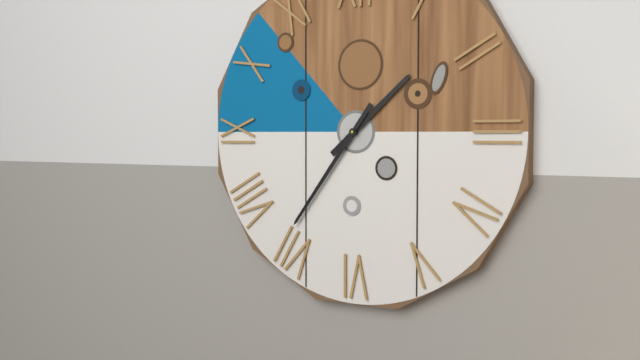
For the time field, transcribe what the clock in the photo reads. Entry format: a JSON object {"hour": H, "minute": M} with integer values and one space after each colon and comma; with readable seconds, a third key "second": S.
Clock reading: {"hour": 1, "minute": 36}
